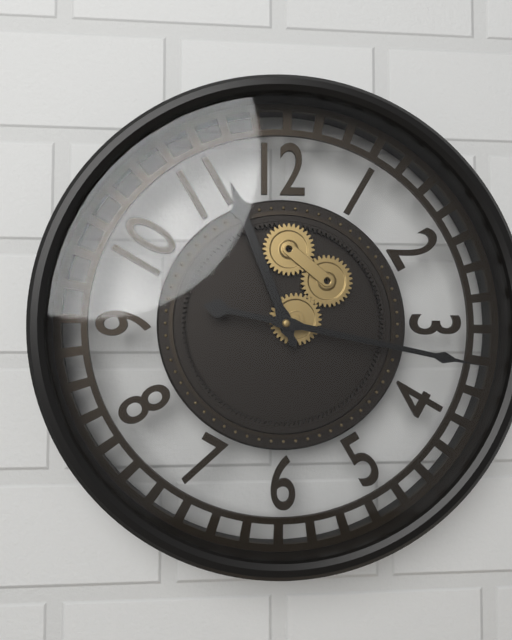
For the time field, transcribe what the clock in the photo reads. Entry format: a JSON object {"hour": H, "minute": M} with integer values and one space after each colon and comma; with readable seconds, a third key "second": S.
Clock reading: {"hour": 11, "minute": 17}
